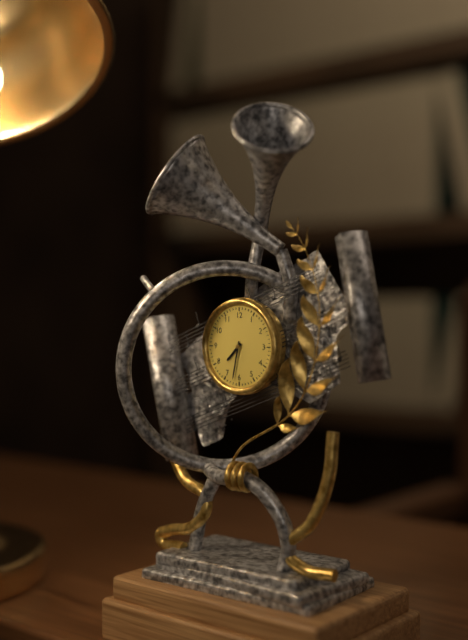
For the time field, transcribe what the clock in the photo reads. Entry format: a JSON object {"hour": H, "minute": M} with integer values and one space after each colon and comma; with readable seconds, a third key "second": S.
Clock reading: {"hour": 7, "minute": 32}
